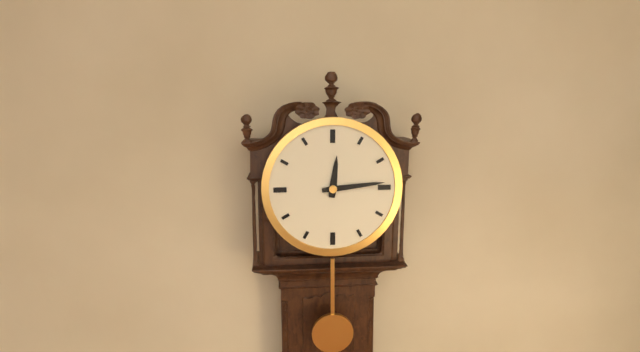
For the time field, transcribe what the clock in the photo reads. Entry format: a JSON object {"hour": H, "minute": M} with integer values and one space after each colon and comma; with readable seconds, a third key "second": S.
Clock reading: {"hour": 12, "minute": 14}
